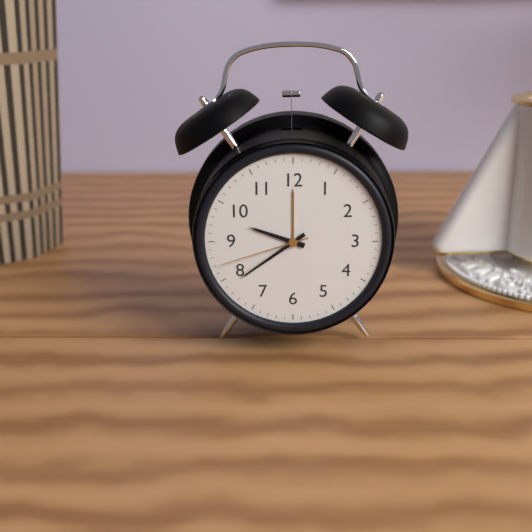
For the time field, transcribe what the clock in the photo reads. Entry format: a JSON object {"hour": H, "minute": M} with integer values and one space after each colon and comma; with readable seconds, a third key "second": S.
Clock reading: {"hour": 9, "minute": 39, "second": 42}
